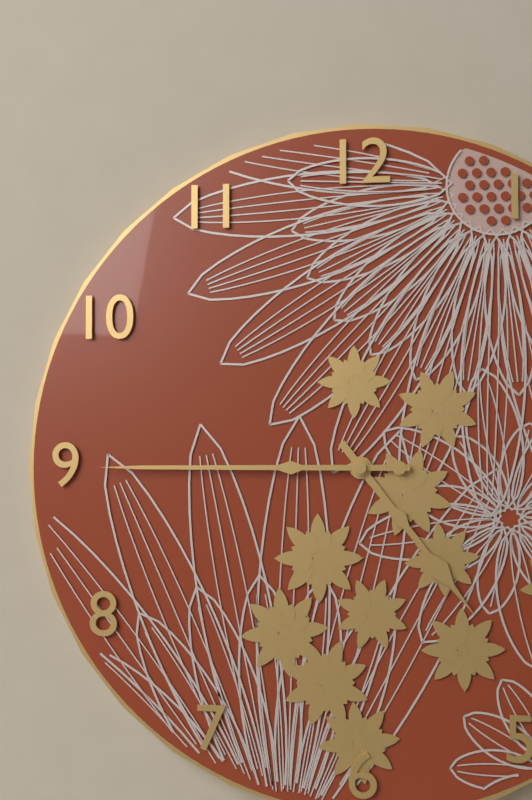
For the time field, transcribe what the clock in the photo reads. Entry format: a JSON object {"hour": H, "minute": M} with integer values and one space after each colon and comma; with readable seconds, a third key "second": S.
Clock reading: {"hour": 4, "minute": 45}
